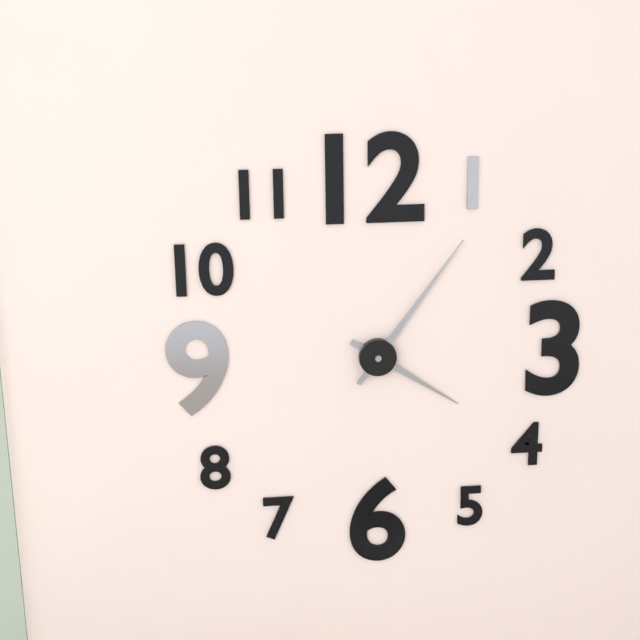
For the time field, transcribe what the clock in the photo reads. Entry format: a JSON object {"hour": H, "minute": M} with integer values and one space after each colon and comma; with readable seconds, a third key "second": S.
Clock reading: {"hour": 4, "minute": 6}
